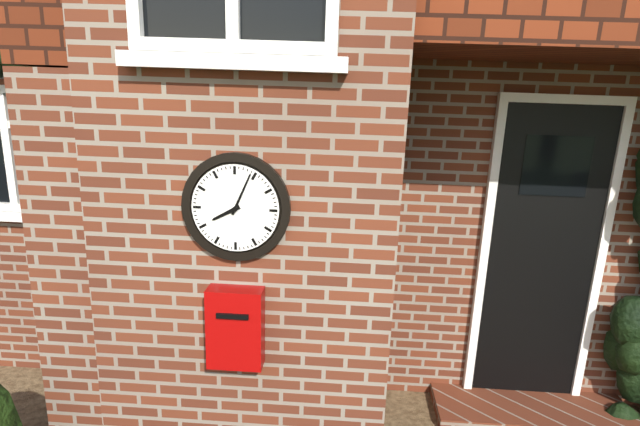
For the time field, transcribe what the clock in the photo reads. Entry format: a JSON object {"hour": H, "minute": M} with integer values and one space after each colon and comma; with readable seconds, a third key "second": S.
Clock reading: {"hour": 8, "minute": 4}
